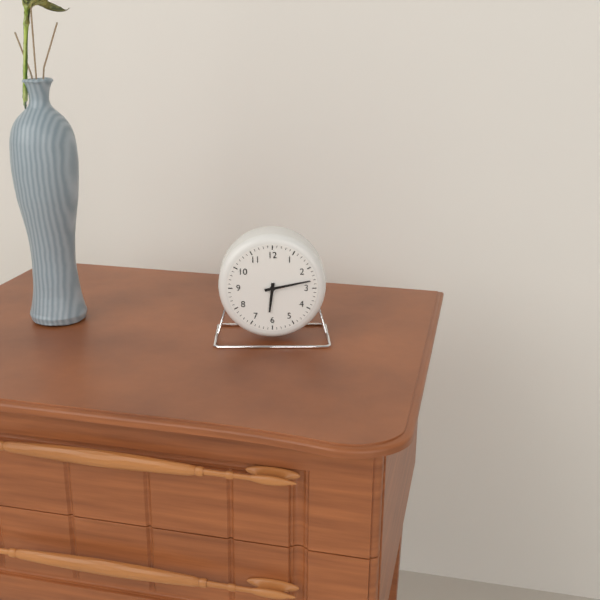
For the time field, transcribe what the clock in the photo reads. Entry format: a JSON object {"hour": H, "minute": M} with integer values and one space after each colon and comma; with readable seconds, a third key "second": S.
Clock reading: {"hour": 6, "minute": 13}
